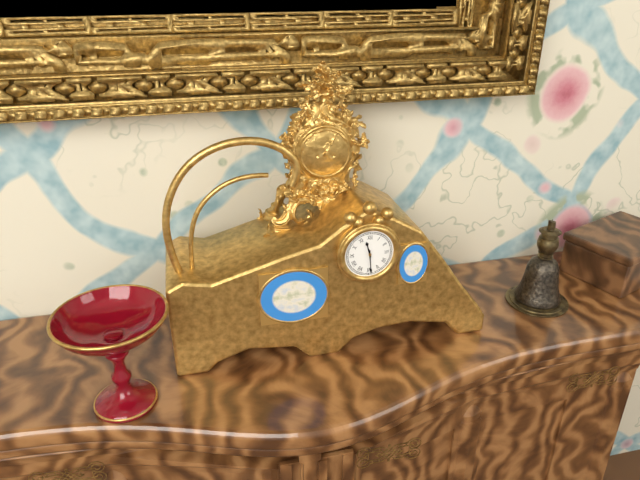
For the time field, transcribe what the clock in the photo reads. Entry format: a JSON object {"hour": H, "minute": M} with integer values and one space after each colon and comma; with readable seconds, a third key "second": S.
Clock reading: {"hour": 11, "minute": 29}
